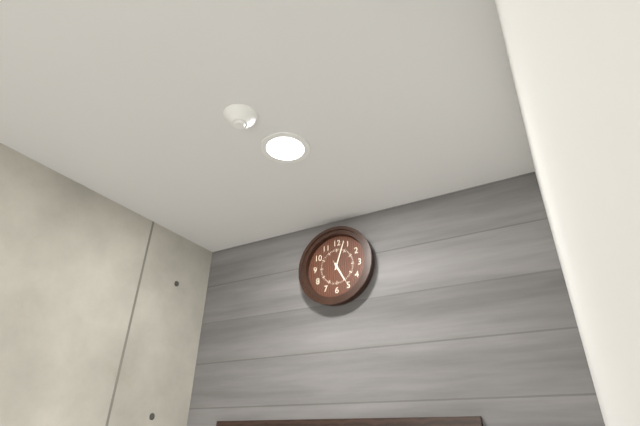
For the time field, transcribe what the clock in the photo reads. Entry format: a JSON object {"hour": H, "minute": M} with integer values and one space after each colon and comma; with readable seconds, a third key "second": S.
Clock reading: {"hour": 5, "minute": 3}
